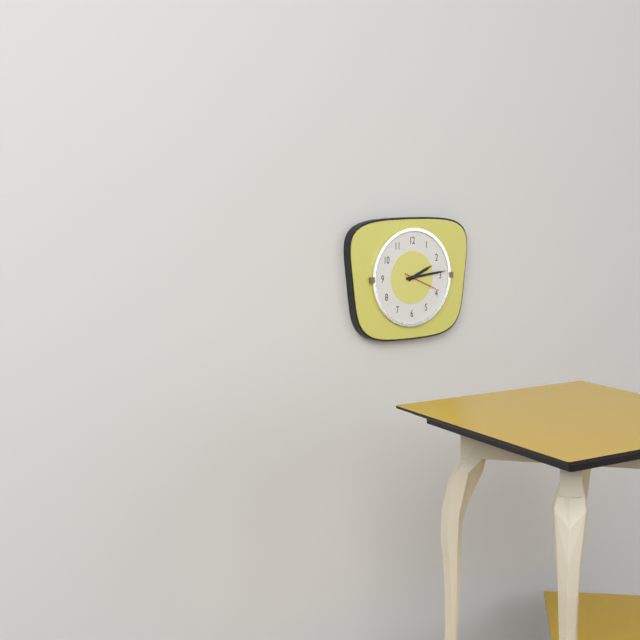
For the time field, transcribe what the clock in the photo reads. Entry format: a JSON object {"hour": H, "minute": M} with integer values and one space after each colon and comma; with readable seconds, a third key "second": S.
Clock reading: {"hour": 2, "minute": 14}
